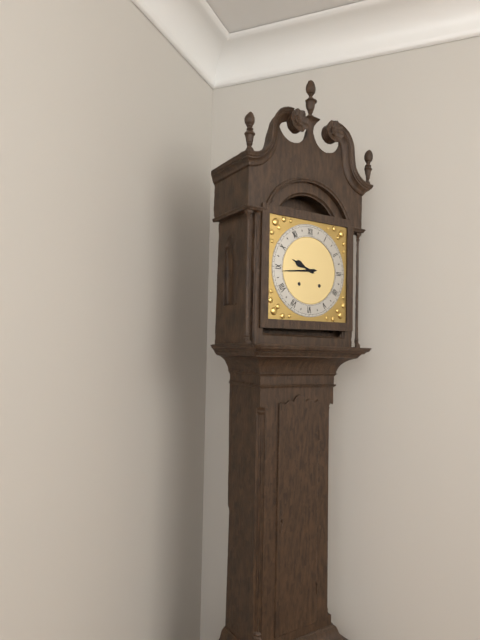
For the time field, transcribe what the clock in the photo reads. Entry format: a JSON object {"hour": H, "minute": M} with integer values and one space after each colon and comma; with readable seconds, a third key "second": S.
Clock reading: {"hour": 9, "minute": 44}
